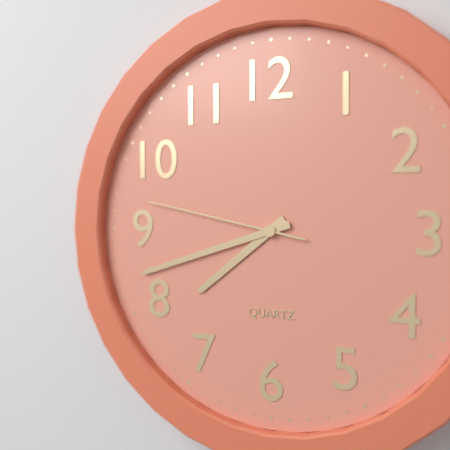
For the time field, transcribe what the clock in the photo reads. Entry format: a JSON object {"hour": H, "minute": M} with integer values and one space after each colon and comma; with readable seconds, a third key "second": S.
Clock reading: {"hour": 7, "minute": 42, "second": 47}
